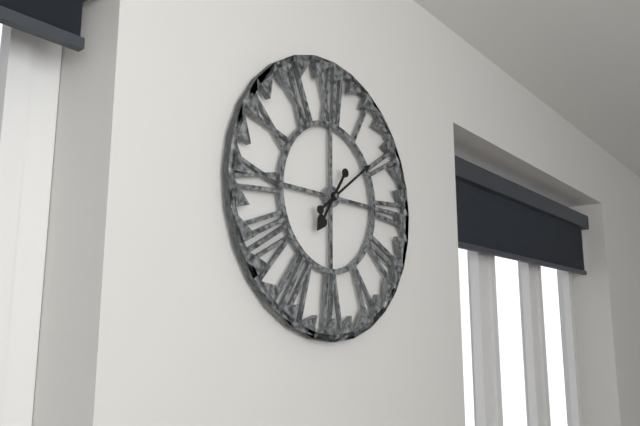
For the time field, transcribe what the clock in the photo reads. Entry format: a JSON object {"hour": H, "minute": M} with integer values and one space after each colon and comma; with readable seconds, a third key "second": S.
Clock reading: {"hour": 7, "minute": 9}
